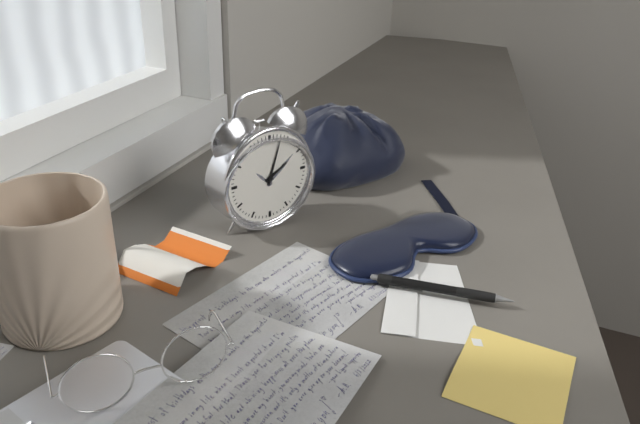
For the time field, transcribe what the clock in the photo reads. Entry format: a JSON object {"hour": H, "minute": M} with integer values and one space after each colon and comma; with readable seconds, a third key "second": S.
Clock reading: {"hour": 2, "minute": 3}
